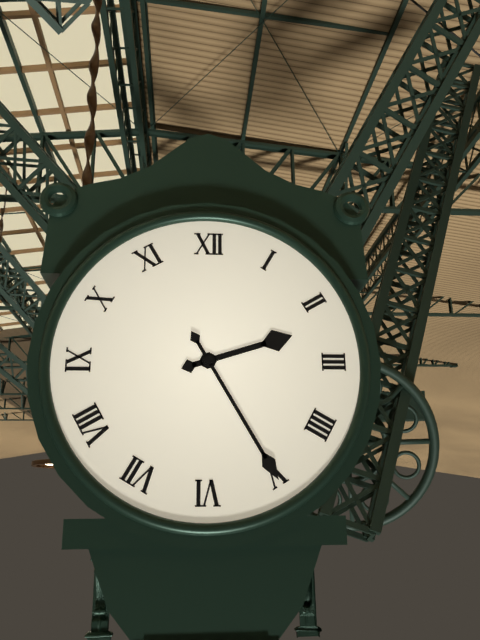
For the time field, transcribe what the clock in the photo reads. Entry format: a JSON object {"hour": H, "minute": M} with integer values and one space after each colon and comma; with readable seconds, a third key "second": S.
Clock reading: {"hour": 2, "minute": 25}
